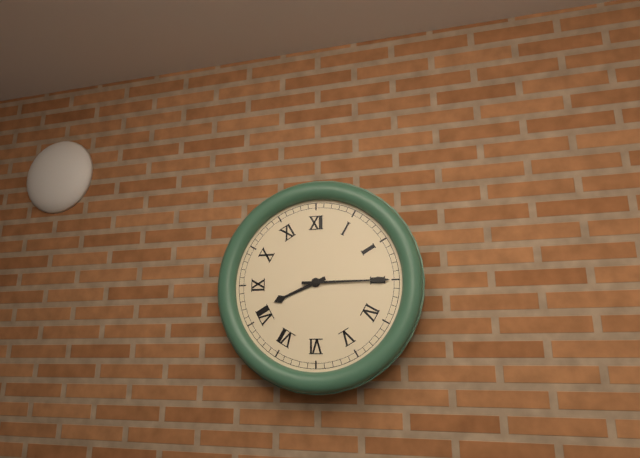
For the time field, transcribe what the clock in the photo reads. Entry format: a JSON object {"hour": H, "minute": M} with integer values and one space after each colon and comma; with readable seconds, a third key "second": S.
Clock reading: {"hour": 8, "minute": 15}
